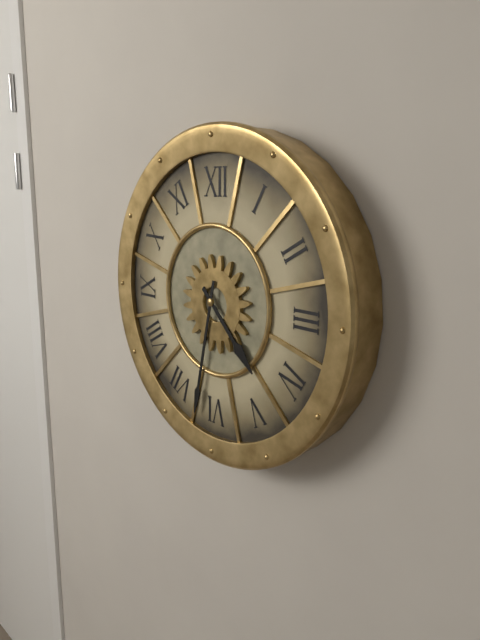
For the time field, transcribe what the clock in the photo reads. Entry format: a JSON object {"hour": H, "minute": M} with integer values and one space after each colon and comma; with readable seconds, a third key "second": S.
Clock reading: {"hour": 4, "minute": 32}
